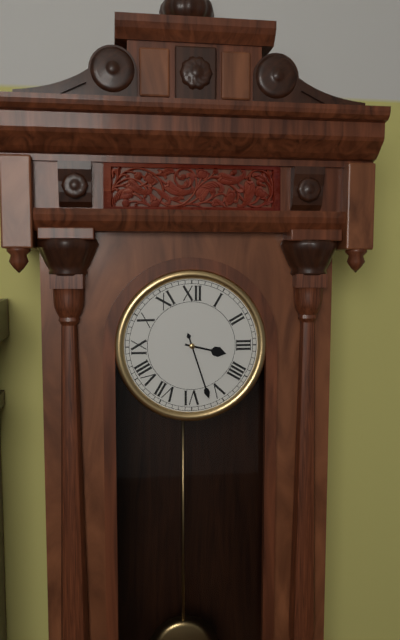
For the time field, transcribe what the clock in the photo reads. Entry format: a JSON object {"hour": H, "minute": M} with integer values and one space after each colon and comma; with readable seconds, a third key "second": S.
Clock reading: {"hour": 3, "minute": 27}
